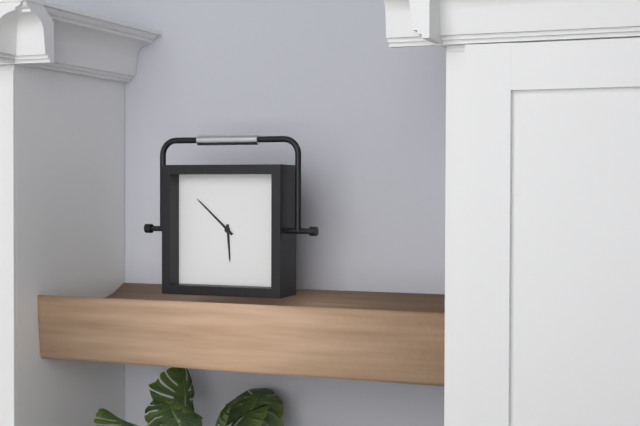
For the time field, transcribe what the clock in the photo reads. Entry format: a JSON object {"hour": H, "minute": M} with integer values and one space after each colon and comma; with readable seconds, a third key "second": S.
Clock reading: {"hour": 5, "minute": 52}
